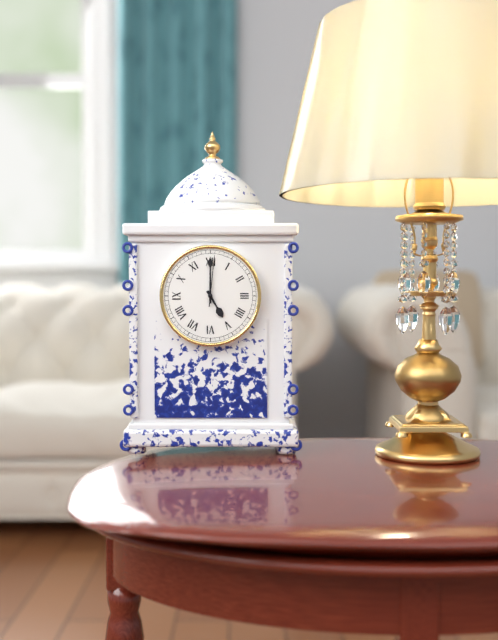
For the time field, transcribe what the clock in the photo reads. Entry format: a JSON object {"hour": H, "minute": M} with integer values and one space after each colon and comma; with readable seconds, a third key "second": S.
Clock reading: {"hour": 5, "minute": 0, "second": 1}
